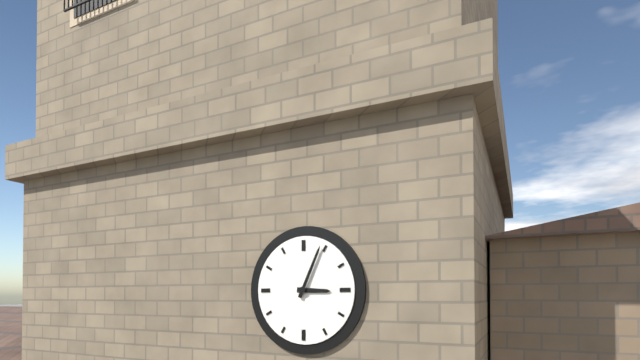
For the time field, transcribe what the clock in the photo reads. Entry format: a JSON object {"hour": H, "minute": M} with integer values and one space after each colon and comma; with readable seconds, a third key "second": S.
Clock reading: {"hour": 3, "minute": 4}
